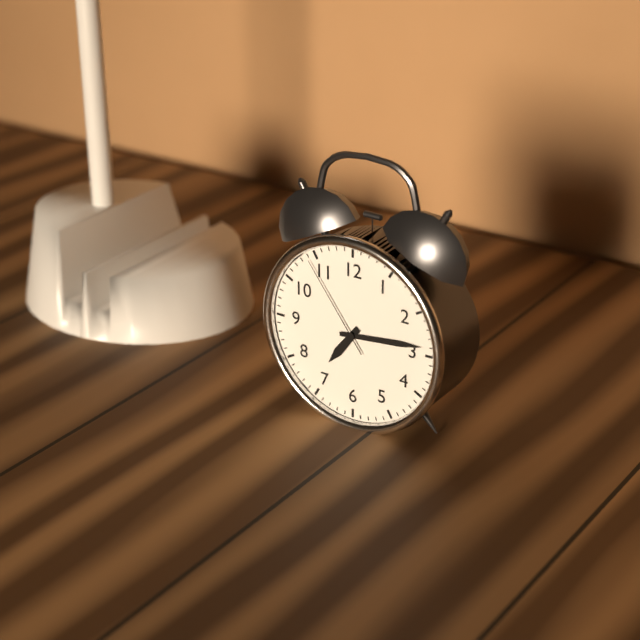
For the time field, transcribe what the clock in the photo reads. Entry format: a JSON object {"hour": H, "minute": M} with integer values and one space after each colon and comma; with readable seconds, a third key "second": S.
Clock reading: {"hour": 7, "minute": 14, "second": 54}
